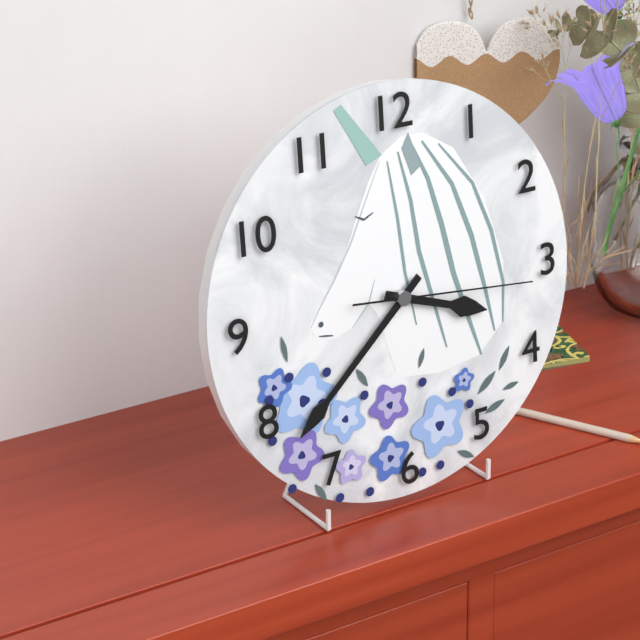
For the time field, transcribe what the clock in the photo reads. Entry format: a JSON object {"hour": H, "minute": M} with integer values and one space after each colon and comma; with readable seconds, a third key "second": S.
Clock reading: {"hour": 3, "minute": 38, "second": 16}
